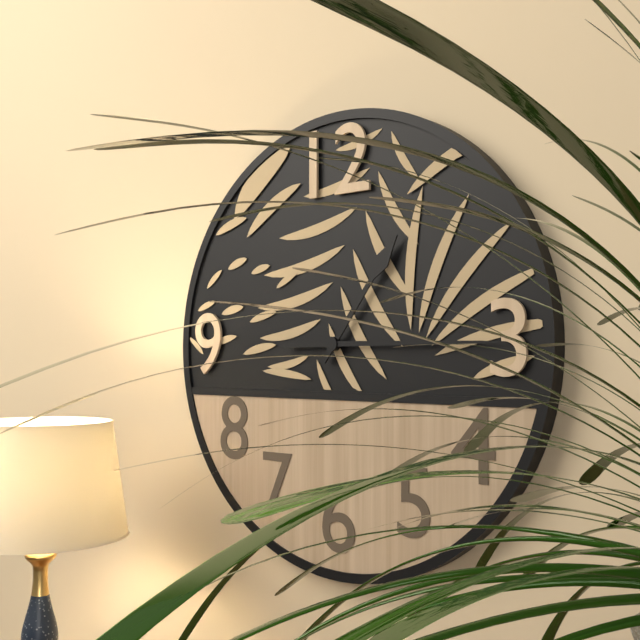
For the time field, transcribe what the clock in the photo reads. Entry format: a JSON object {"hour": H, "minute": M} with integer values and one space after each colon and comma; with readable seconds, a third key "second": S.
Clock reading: {"hour": 1, "minute": 15}
